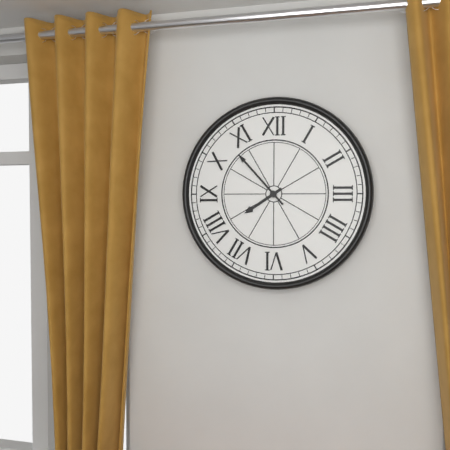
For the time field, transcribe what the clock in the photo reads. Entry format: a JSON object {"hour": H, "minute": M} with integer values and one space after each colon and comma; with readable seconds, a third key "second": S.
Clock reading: {"hour": 7, "minute": 53}
